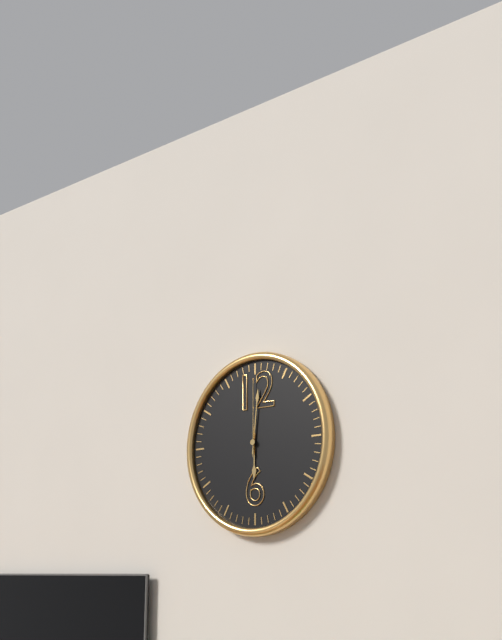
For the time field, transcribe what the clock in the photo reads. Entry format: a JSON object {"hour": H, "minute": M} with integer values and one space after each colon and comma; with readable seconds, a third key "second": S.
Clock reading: {"hour": 6, "minute": 1, "second": 0}
